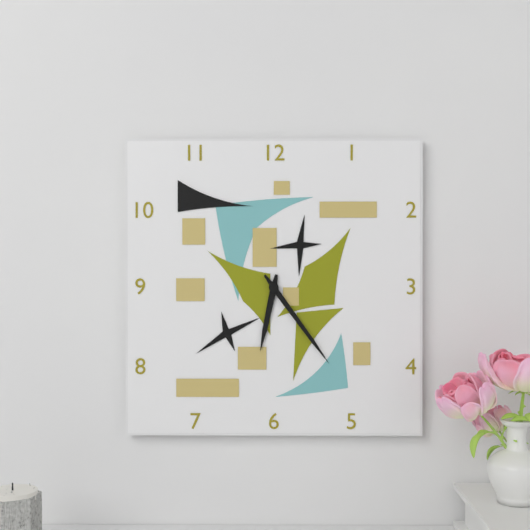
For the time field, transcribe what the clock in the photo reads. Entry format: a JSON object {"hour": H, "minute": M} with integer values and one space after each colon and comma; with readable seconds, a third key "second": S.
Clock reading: {"hour": 6, "minute": 24}
